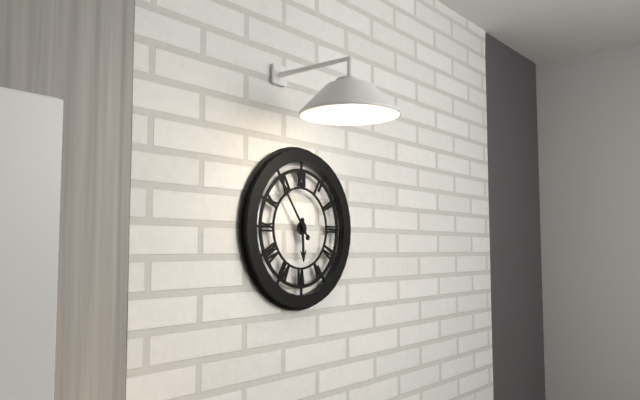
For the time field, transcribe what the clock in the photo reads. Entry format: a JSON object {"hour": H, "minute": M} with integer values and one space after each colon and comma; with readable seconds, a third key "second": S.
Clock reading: {"hour": 5, "minute": 54}
